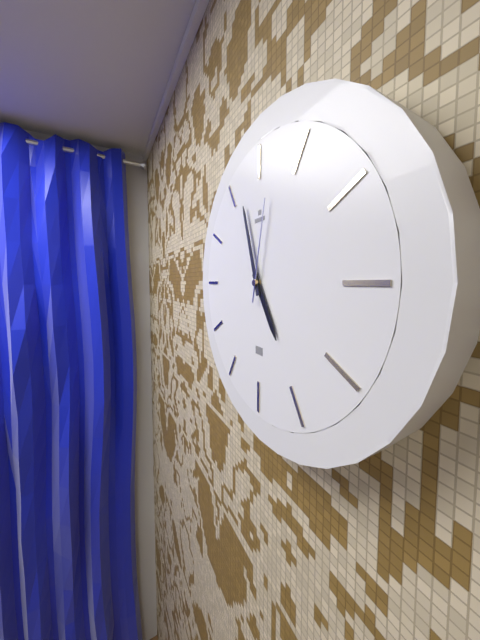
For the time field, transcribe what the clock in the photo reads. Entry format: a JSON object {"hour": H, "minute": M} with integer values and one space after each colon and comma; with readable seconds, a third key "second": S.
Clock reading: {"hour": 4, "minute": 57, "second": 2}
